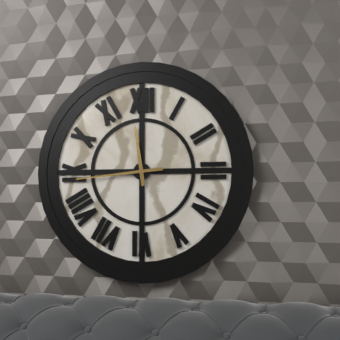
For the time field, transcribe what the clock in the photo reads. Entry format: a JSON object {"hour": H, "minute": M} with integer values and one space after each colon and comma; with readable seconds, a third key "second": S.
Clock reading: {"hour": 11, "minute": 44}
